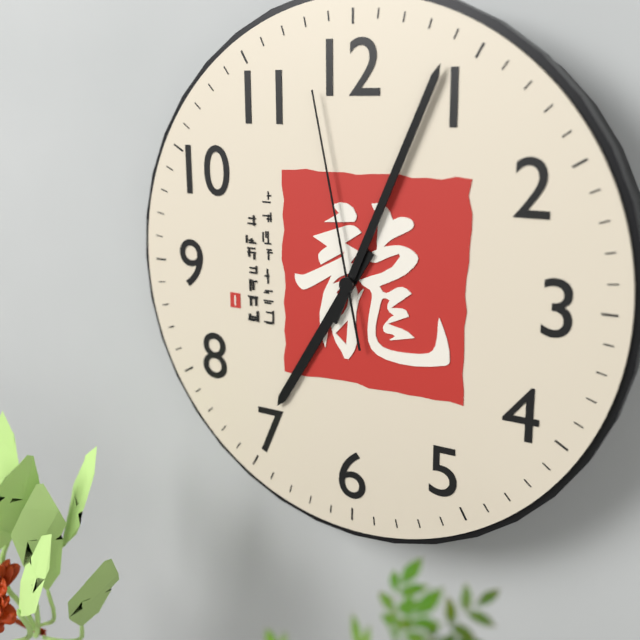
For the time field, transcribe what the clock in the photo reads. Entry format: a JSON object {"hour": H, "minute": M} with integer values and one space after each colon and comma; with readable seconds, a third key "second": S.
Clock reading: {"hour": 7, "minute": 4, "second": 58}
